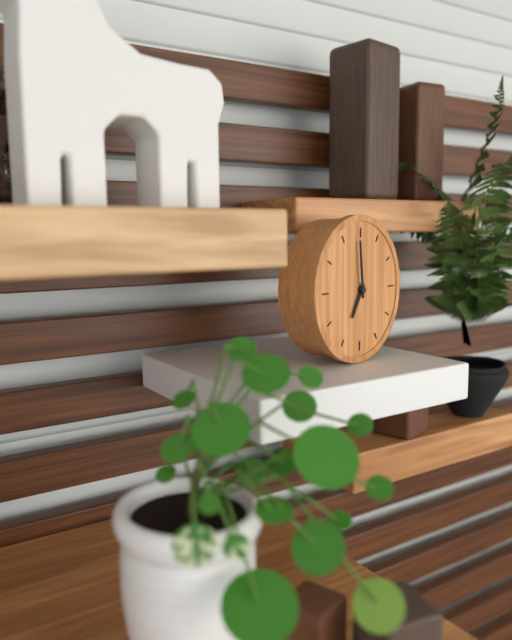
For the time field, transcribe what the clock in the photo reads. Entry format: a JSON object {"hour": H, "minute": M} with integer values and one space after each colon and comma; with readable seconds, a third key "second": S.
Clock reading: {"hour": 6, "minute": 59}
